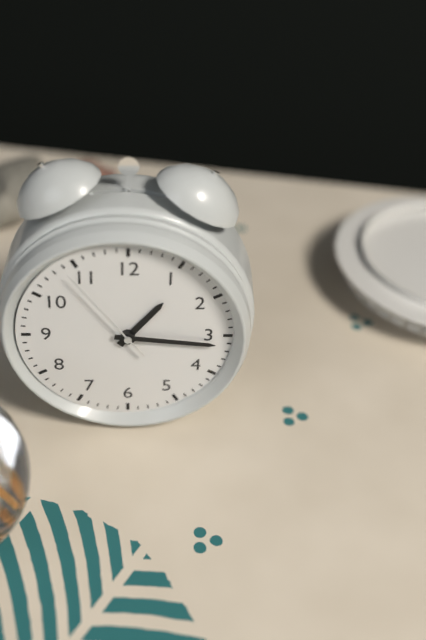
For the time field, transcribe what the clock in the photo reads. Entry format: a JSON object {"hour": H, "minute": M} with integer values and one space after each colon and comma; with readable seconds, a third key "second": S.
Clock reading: {"hour": 1, "minute": 16, "second": 54}
